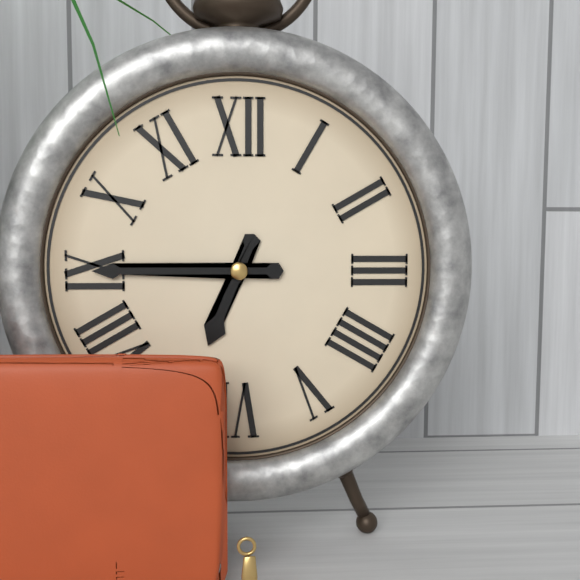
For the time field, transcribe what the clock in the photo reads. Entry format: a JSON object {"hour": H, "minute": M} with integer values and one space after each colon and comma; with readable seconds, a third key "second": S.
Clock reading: {"hour": 6, "minute": 45}
